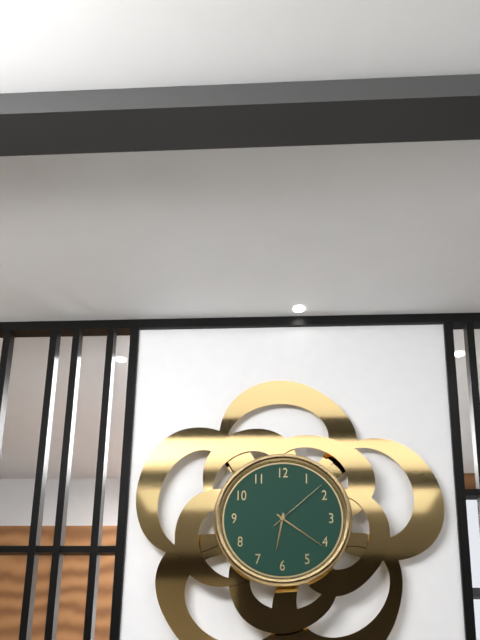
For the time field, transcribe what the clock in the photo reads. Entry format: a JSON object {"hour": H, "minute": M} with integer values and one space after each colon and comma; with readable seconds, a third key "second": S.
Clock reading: {"hour": 6, "minute": 21, "second": 8}
